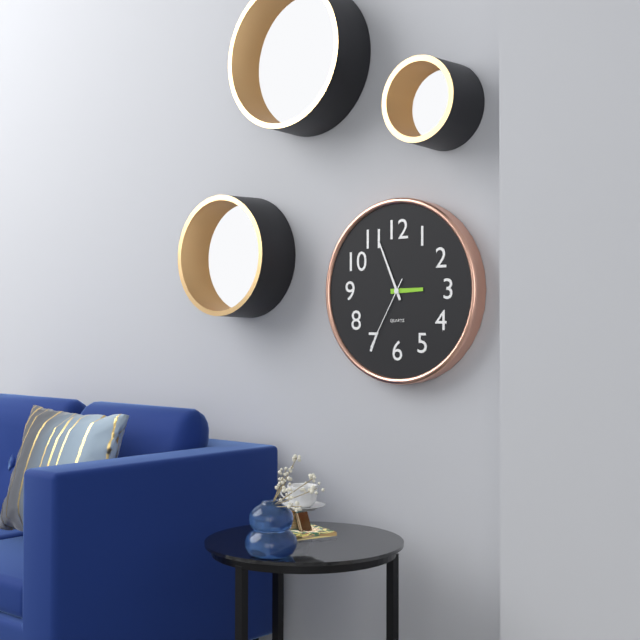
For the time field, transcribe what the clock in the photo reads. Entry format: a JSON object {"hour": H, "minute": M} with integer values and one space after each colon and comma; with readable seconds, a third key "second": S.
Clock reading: {"hour": 2, "minute": 56, "second": 35}
